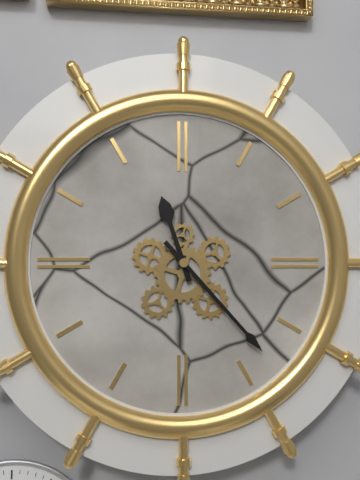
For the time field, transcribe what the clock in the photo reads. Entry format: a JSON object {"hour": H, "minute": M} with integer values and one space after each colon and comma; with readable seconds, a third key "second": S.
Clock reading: {"hour": 11, "minute": 23}
